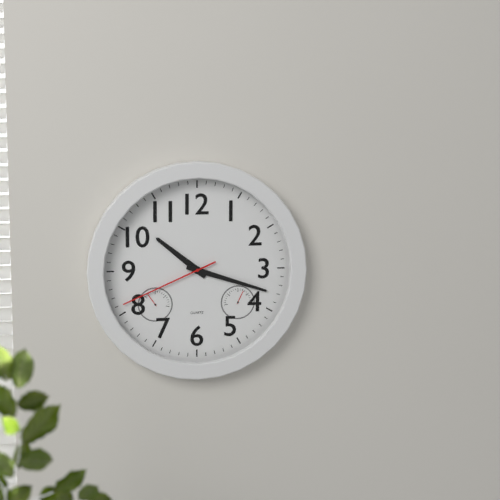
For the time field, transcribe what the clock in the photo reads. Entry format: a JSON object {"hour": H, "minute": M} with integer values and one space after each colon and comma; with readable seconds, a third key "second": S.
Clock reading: {"hour": 10, "minute": 18, "second": 41}
